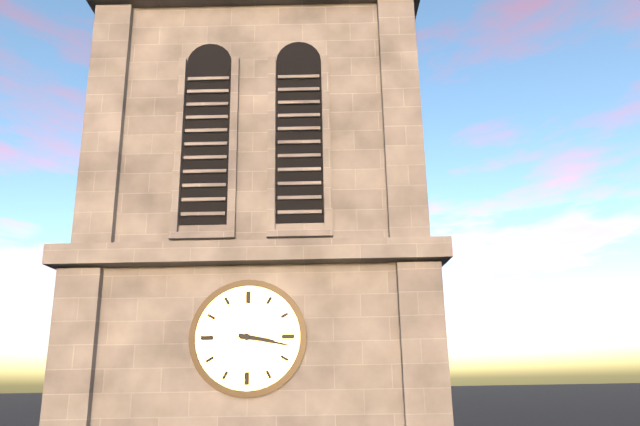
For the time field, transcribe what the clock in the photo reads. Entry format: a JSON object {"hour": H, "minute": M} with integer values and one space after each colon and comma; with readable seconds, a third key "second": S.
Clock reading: {"hour": 3, "minute": 17}
